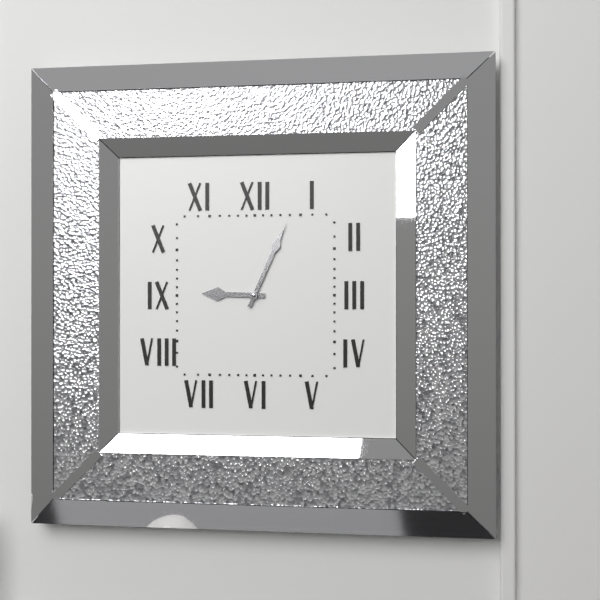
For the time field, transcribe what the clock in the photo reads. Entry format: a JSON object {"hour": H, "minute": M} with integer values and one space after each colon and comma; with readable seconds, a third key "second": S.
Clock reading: {"hour": 9, "minute": 4}
